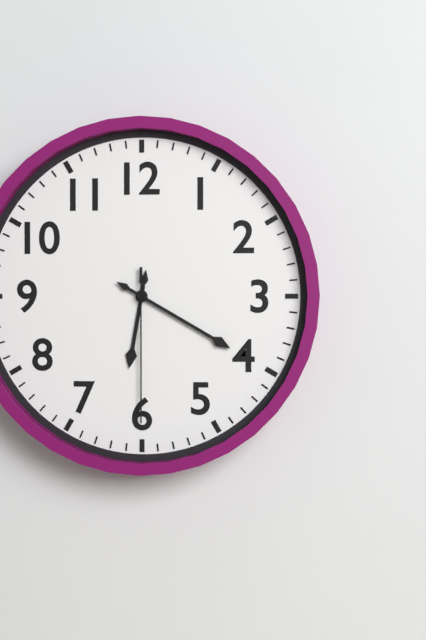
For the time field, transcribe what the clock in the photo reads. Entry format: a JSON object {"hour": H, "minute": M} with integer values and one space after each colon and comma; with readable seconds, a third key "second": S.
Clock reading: {"hour": 6, "minute": 20, "second": 30}
